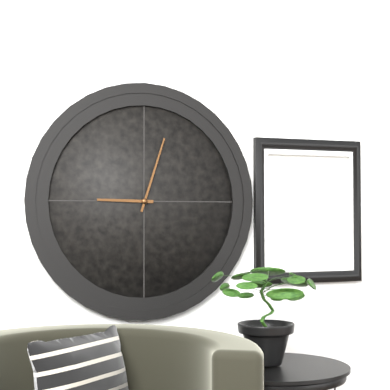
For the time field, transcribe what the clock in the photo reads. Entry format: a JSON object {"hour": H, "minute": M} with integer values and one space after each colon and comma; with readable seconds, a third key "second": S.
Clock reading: {"hour": 9, "minute": 3}
